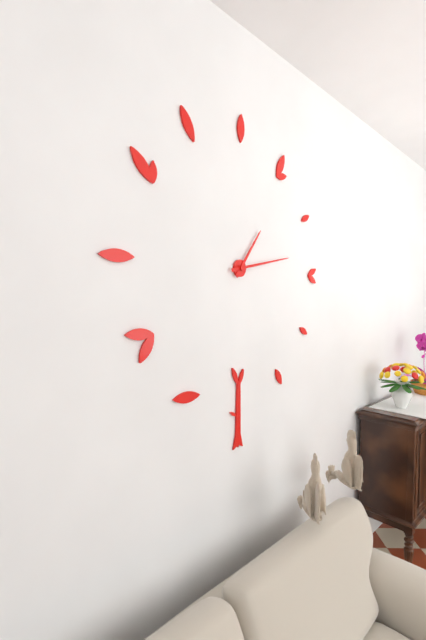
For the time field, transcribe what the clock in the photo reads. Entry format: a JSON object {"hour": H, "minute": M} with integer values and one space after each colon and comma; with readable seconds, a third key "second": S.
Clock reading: {"hour": 1, "minute": 13}
